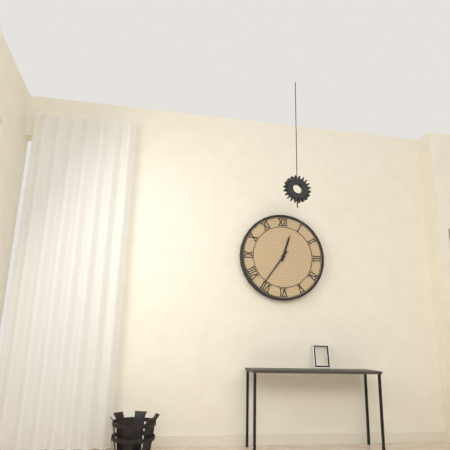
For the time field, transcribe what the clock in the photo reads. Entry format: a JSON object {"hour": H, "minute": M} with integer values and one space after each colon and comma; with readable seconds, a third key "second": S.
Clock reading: {"hour": 12, "minute": 36}
